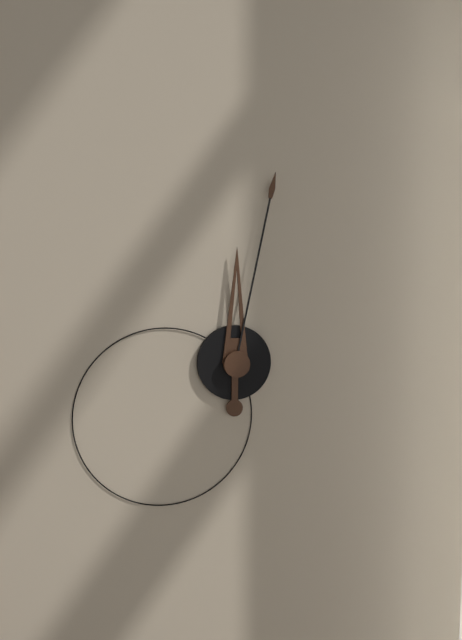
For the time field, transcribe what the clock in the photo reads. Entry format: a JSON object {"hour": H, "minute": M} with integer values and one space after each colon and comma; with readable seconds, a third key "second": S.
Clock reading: {"hour": 12, "minute": 2}
